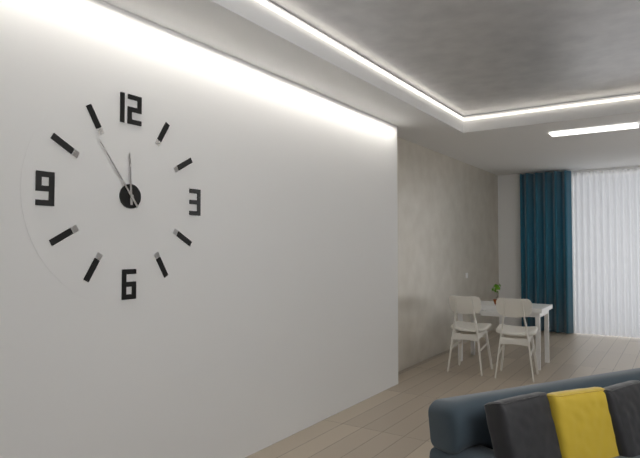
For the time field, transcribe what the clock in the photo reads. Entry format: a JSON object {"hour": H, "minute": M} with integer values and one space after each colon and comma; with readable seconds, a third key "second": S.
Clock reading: {"hour": 11, "minute": 54}
